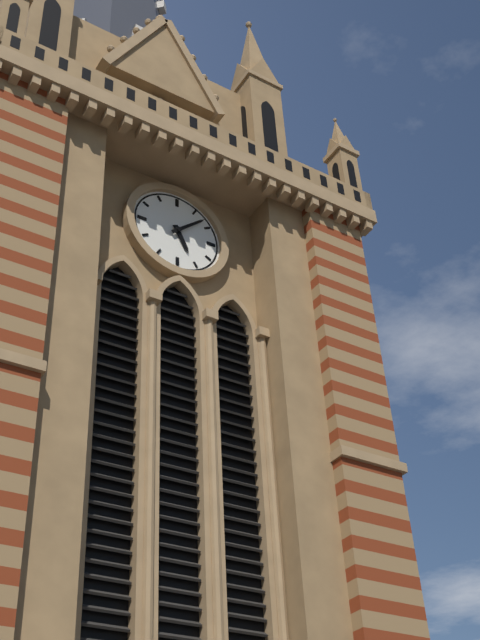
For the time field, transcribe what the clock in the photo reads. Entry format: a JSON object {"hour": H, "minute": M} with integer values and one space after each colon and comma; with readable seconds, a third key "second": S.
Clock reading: {"hour": 5, "minute": 8}
